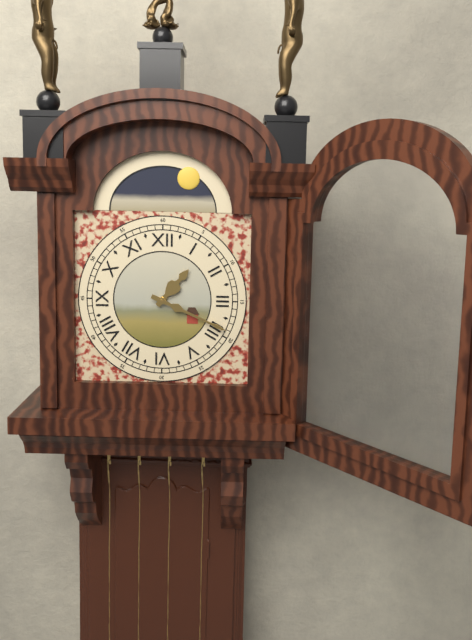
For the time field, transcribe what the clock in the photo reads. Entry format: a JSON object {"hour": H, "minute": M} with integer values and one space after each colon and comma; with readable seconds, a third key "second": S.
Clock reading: {"hour": 1, "minute": 19}
